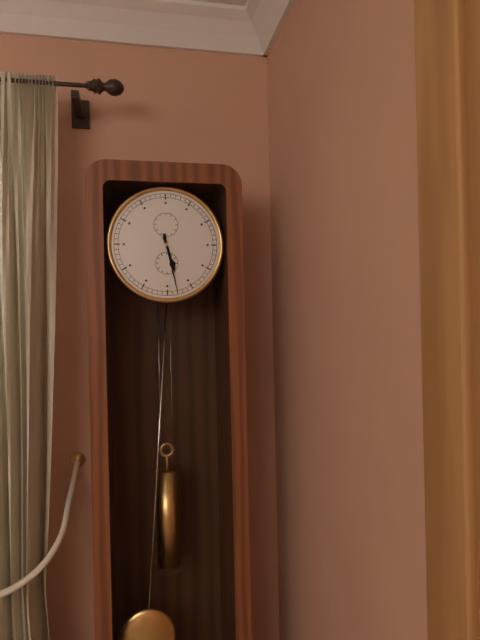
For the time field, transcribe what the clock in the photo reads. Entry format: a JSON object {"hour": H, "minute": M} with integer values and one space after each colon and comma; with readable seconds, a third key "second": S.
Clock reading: {"hour": 5, "minute": 28}
